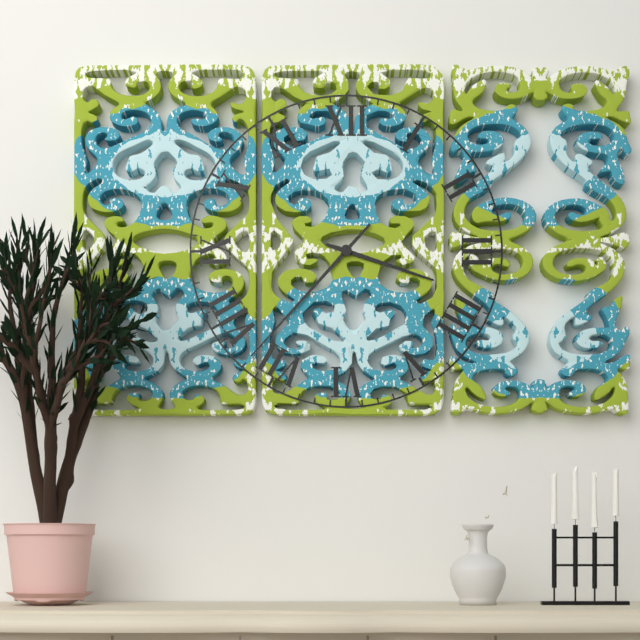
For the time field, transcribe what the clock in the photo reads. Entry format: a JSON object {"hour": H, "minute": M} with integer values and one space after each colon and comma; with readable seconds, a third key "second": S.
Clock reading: {"hour": 3, "minute": 37}
